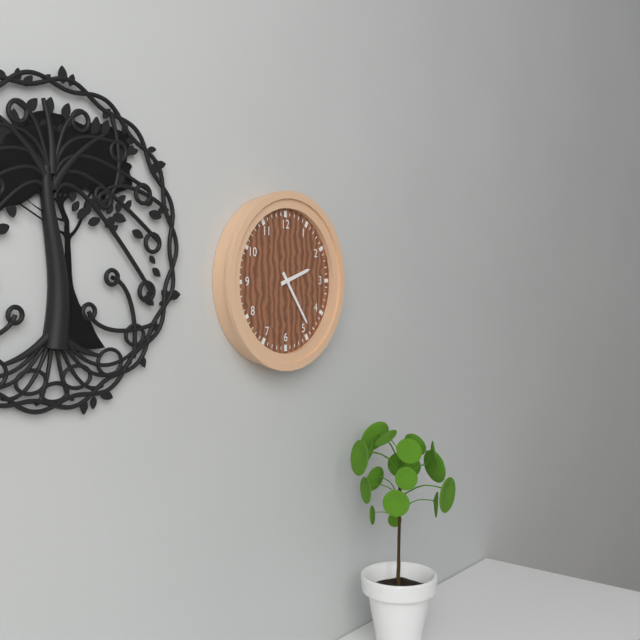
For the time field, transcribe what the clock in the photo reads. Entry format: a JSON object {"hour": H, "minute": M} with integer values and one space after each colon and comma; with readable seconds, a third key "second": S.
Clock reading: {"hour": 2, "minute": 24}
